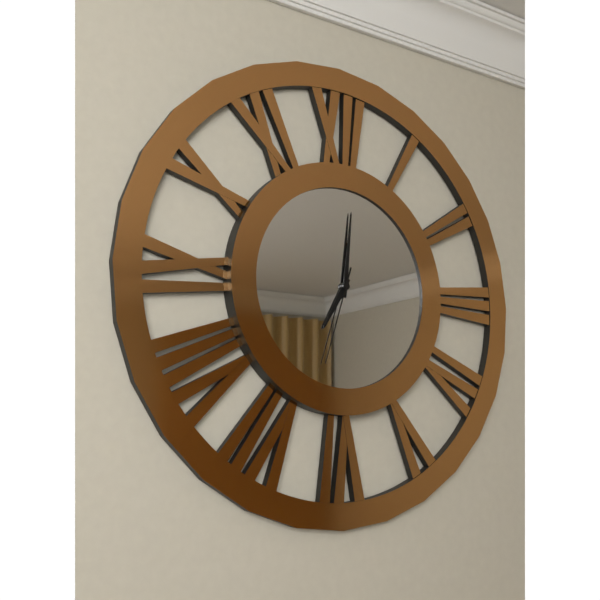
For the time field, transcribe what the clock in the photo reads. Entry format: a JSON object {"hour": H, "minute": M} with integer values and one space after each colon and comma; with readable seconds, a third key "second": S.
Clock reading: {"hour": 7, "minute": 1, "second": 33}
